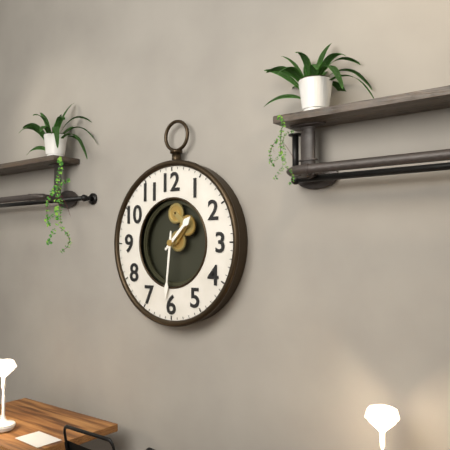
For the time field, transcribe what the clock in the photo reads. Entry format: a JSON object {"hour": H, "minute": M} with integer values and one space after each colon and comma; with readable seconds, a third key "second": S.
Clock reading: {"hour": 1, "minute": 31}
